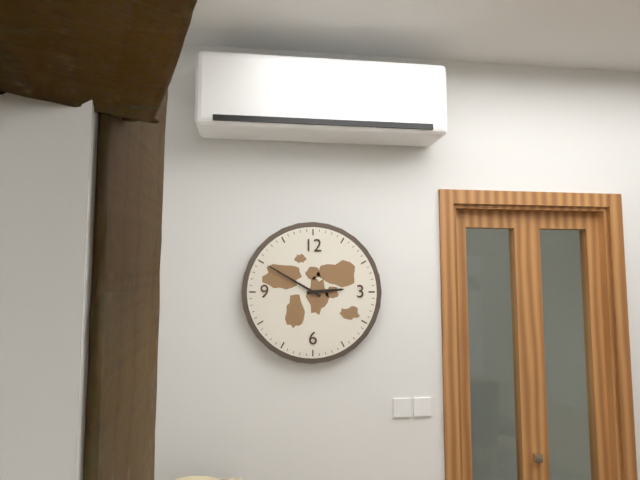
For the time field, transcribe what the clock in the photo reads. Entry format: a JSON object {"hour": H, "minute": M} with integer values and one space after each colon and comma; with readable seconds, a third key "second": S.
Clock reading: {"hour": 2, "minute": 50}
